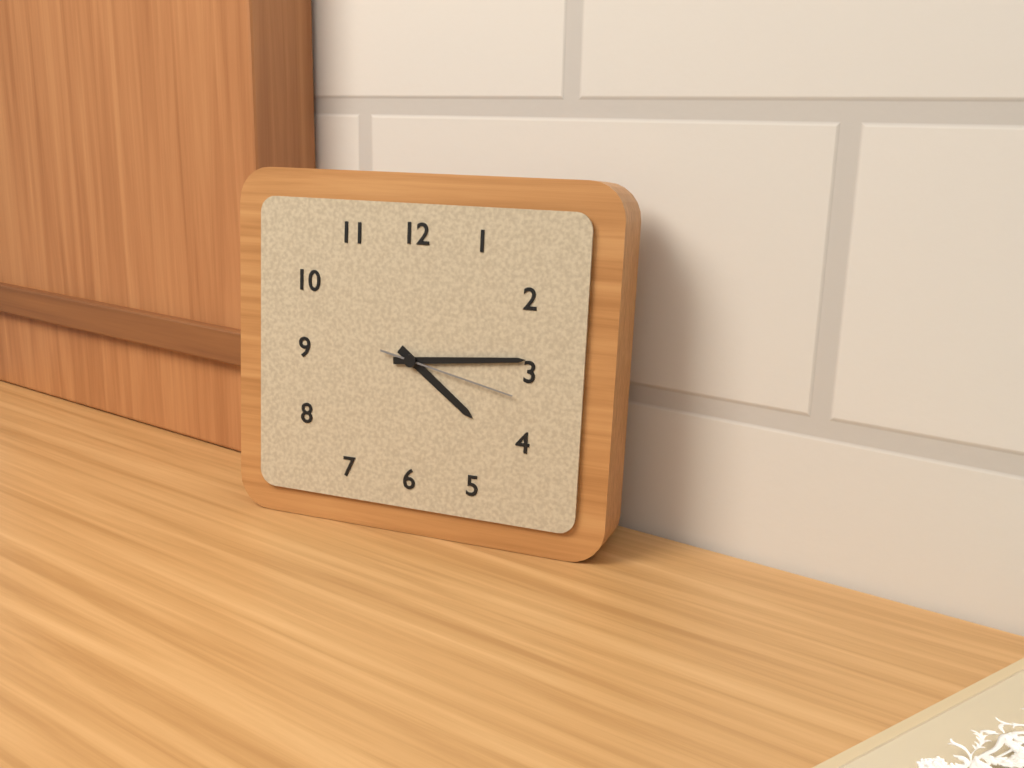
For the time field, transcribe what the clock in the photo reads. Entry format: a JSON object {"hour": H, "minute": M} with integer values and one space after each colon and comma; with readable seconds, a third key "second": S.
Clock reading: {"hour": 4, "minute": 14, "second": 17}
